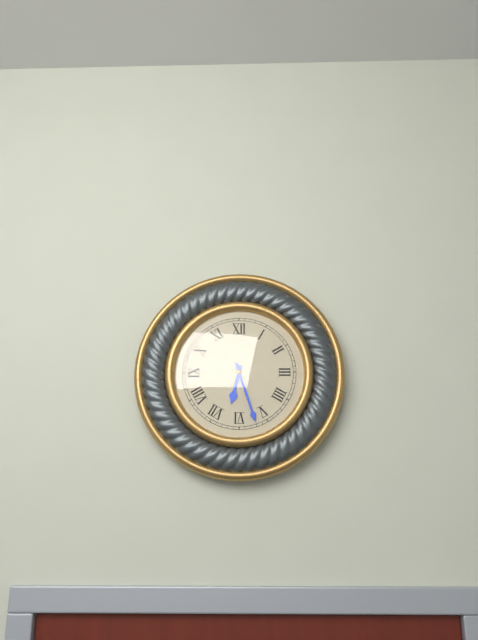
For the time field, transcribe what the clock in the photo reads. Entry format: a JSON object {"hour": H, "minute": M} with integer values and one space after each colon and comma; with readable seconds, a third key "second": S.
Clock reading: {"hour": 6, "minute": 27}
